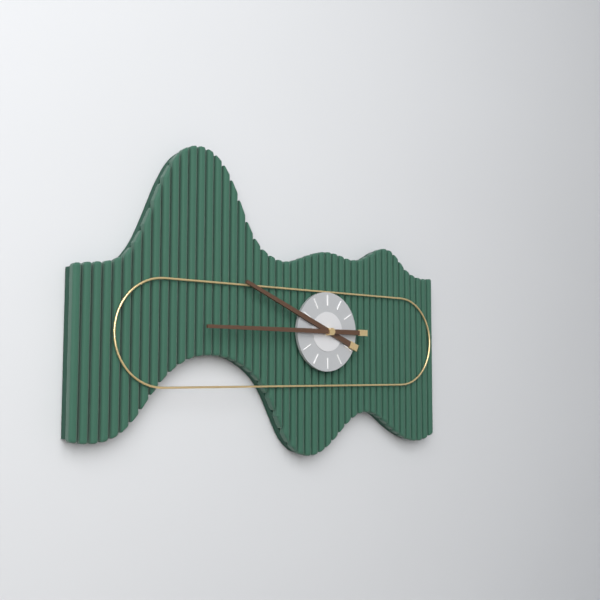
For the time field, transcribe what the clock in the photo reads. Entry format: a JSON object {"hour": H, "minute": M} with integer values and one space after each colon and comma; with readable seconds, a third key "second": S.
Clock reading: {"hour": 9, "minute": 45}
